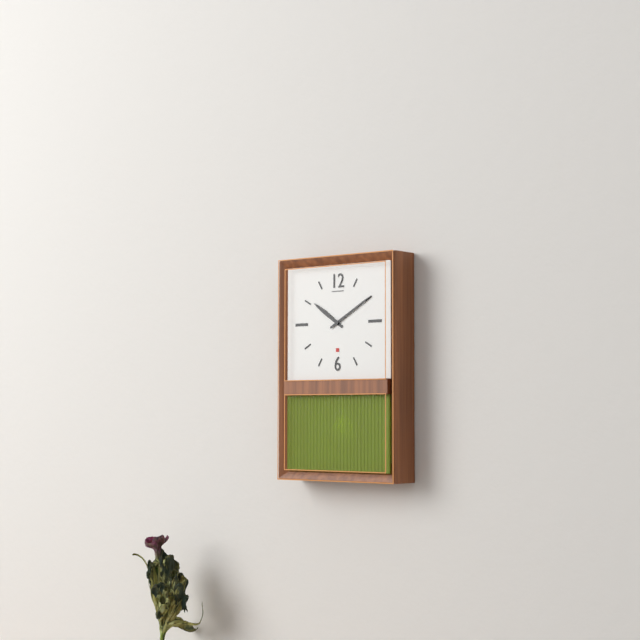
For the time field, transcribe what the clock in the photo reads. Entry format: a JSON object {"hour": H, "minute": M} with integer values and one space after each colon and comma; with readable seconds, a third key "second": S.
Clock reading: {"hour": 10, "minute": 10}
